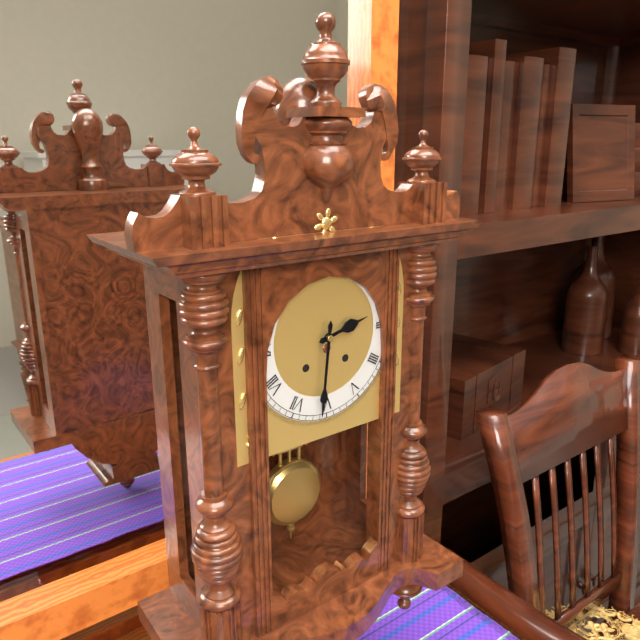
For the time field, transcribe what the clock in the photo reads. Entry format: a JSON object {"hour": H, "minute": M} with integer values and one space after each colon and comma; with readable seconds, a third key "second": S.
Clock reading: {"hour": 2, "minute": 31}
